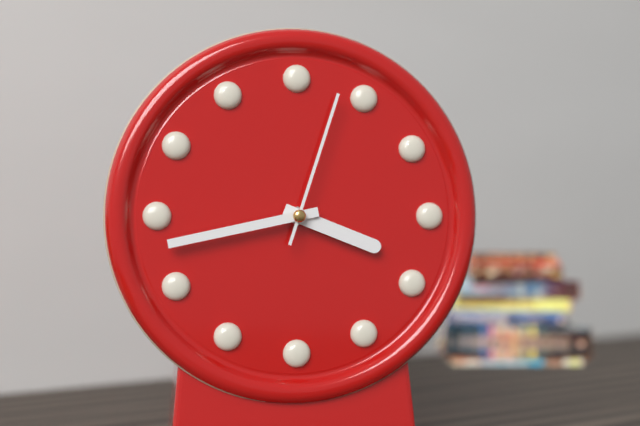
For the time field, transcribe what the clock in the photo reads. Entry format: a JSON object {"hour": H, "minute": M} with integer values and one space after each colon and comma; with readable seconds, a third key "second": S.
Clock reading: {"hour": 3, "minute": 43, "second": 3}
